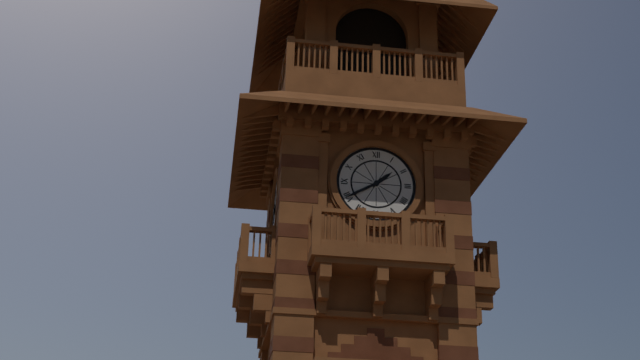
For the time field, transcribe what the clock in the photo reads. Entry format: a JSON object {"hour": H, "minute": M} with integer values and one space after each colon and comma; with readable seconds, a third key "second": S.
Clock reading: {"hour": 1, "minute": 40}
